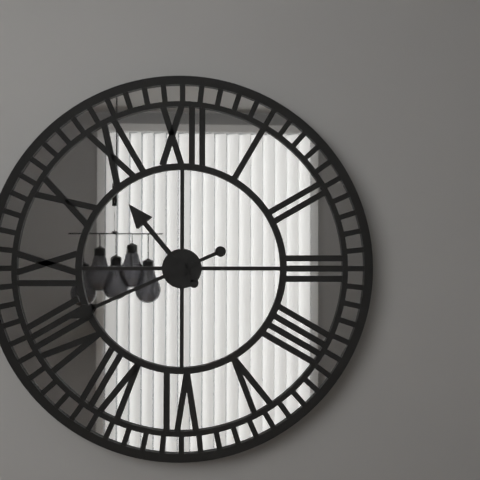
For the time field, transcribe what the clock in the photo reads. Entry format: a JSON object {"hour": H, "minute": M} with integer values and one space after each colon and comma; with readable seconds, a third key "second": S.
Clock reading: {"hour": 10, "minute": 41}
